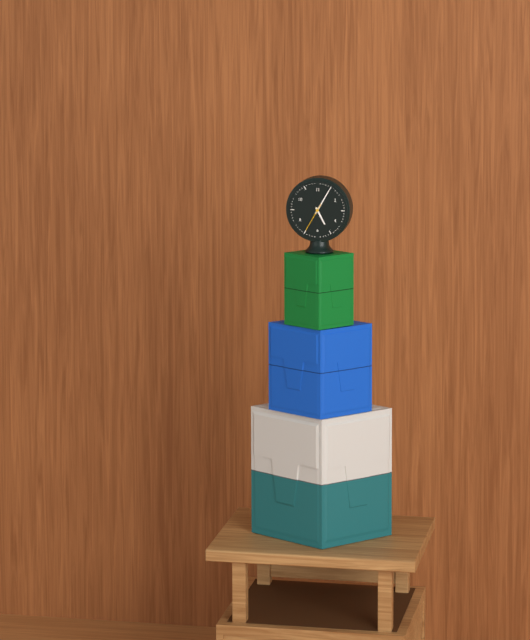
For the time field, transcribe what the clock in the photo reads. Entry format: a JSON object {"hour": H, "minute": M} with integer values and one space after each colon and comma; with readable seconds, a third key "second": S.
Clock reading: {"hour": 5, "minute": 5}
